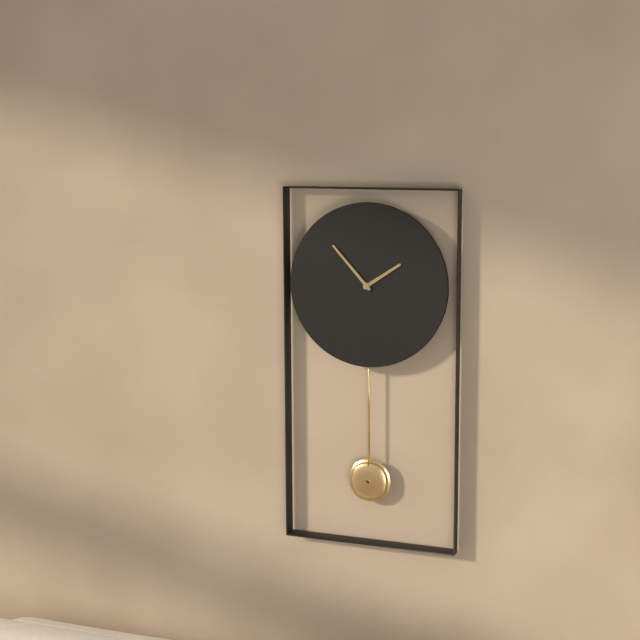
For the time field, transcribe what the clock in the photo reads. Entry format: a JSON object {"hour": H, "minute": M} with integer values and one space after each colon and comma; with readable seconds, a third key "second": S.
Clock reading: {"hour": 1, "minute": 53}
